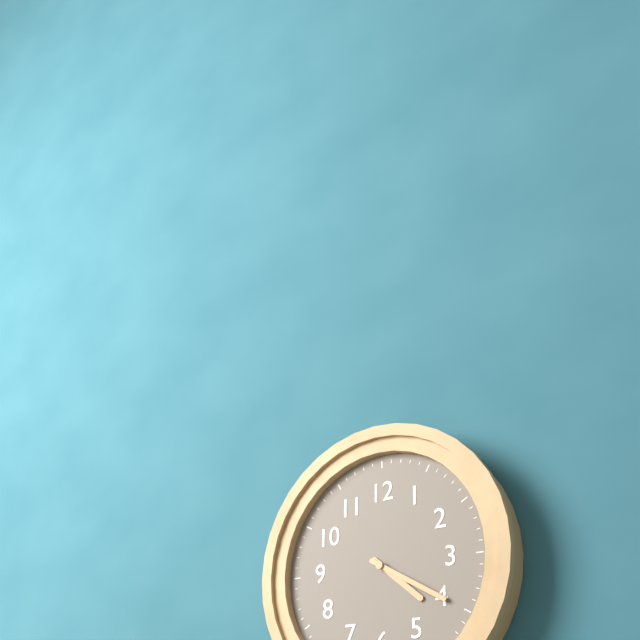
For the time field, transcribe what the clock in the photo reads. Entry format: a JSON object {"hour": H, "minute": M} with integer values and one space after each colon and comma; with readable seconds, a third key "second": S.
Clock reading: {"hour": 4, "minute": 20}
